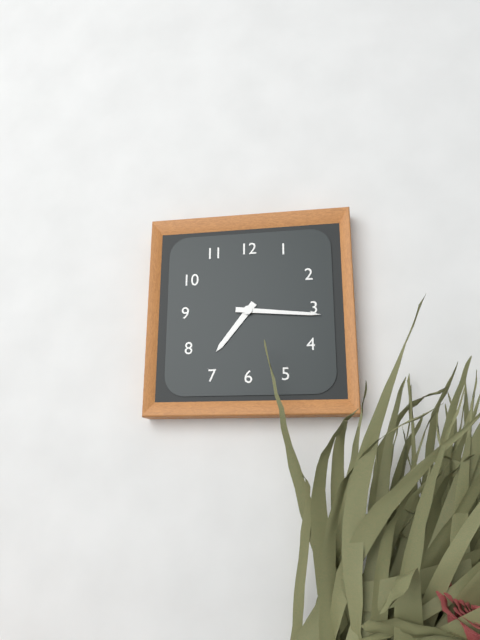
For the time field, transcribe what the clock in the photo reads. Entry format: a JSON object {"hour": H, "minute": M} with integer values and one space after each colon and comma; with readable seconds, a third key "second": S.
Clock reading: {"hour": 7, "minute": 16}
